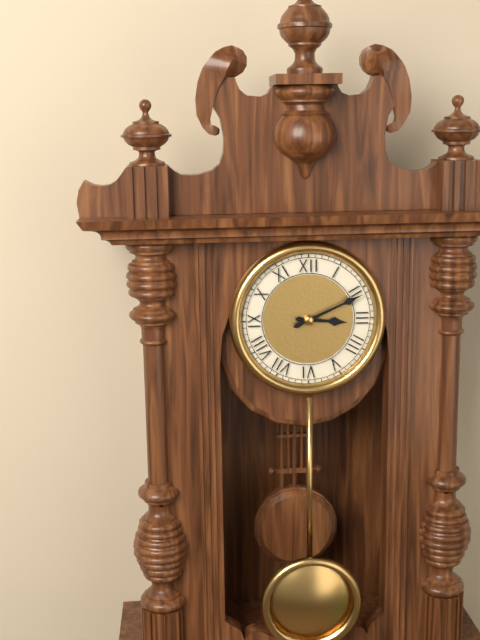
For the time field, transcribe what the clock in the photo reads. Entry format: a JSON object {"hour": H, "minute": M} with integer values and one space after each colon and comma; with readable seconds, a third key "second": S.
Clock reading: {"hour": 3, "minute": 11}
